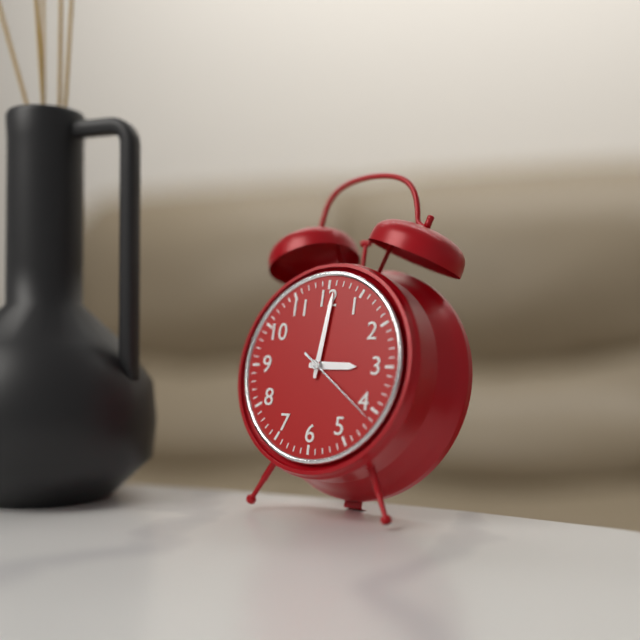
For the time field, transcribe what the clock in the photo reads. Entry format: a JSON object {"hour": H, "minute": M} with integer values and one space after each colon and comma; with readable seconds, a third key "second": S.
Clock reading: {"hour": 3, "minute": 1, "second": 21}
